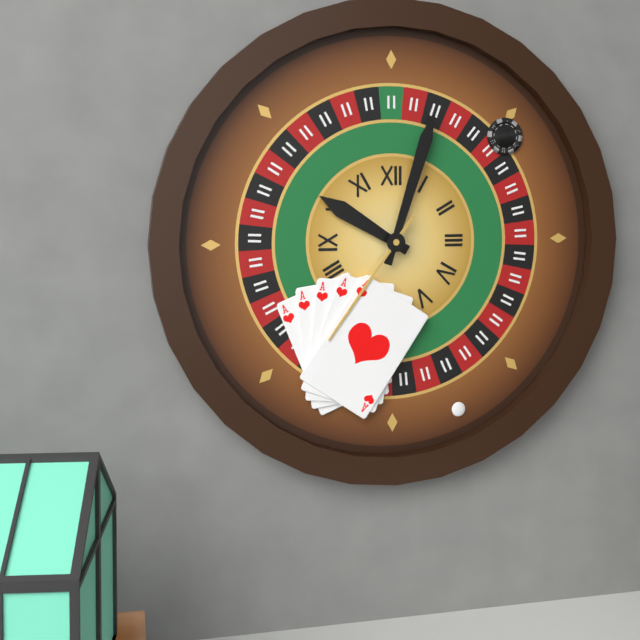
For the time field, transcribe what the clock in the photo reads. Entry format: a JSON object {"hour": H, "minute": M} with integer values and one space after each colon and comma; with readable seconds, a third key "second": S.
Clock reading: {"hour": 10, "minute": 3, "second": 36}
